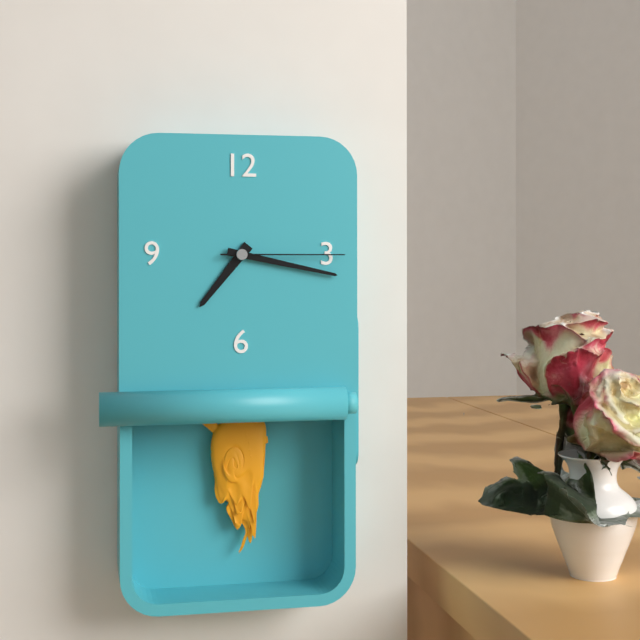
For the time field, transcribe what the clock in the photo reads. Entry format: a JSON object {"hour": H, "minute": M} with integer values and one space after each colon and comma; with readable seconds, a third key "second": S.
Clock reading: {"hour": 7, "minute": 17, "second": 15}
